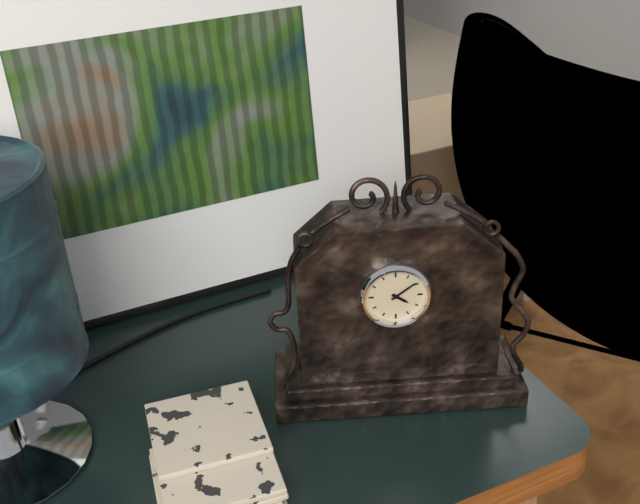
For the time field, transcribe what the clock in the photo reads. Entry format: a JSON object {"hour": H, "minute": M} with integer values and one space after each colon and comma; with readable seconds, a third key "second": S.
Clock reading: {"hour": 4, "minute": 9}
